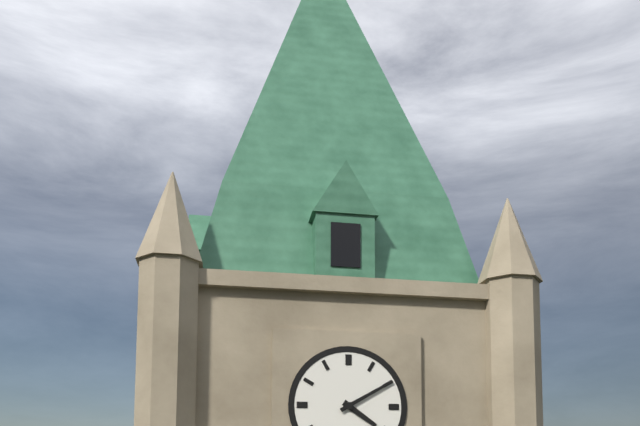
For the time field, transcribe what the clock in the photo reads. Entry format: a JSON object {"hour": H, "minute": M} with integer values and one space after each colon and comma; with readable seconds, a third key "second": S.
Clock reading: {"hour": 4, "minute": 10}
